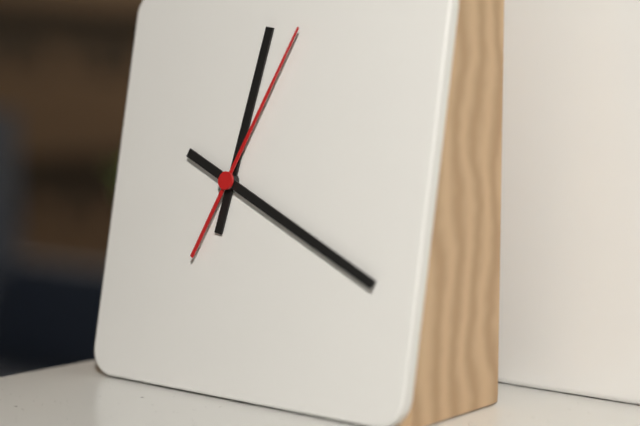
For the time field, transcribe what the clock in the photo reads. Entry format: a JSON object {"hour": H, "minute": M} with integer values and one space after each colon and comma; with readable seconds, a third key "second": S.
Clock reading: {"hour": 12, "minute": 19, "second": 4}
